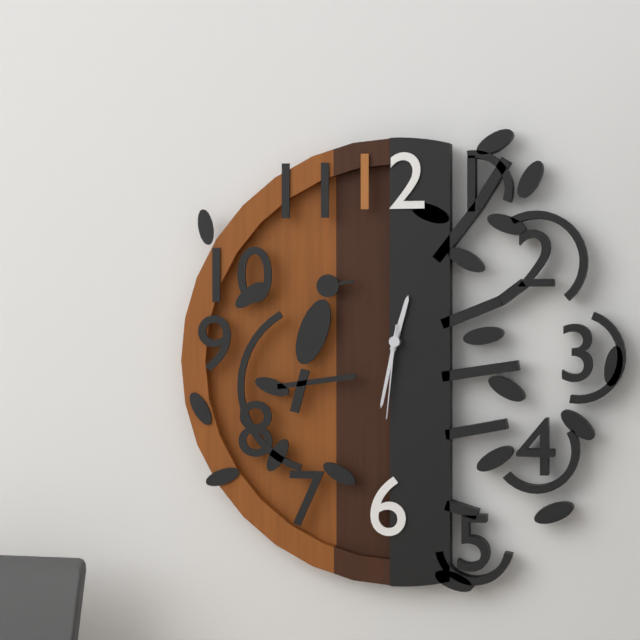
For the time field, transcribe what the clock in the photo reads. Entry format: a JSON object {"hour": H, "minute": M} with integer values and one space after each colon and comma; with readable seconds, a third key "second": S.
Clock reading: {"hour": 12, "minute": 32, "second": 31}
